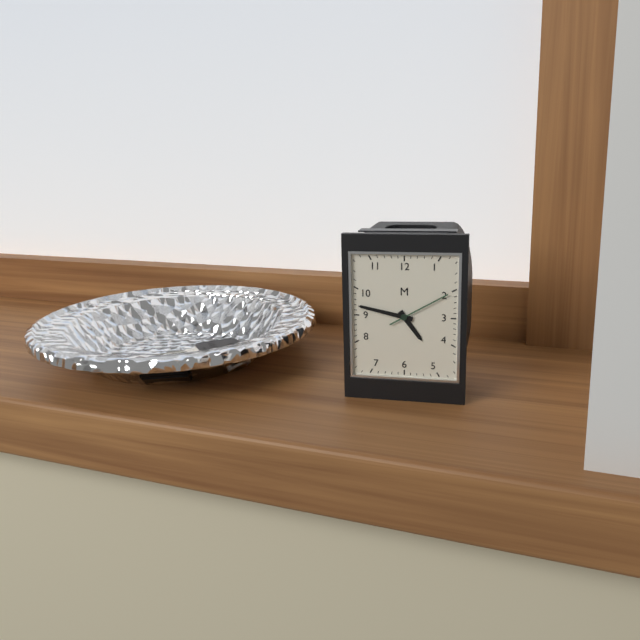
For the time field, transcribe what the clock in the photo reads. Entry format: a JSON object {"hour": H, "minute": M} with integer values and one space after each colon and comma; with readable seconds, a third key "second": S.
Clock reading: {"hour": 4, "minute": 47, "second": 10}
